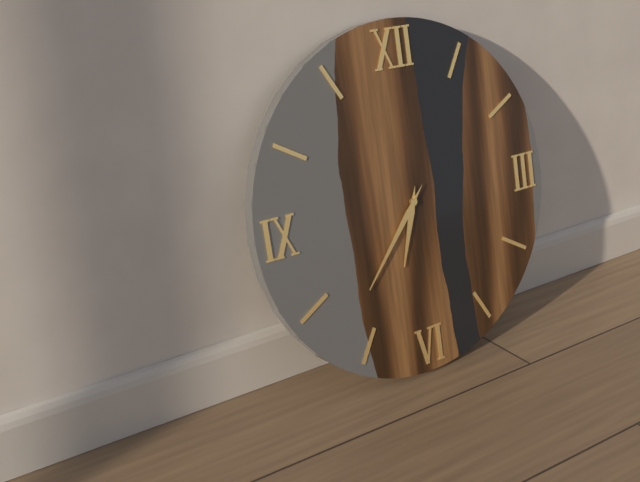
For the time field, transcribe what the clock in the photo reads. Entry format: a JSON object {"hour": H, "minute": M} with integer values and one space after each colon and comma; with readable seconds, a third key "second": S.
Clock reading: {"hour": 6, "minute": 37}
